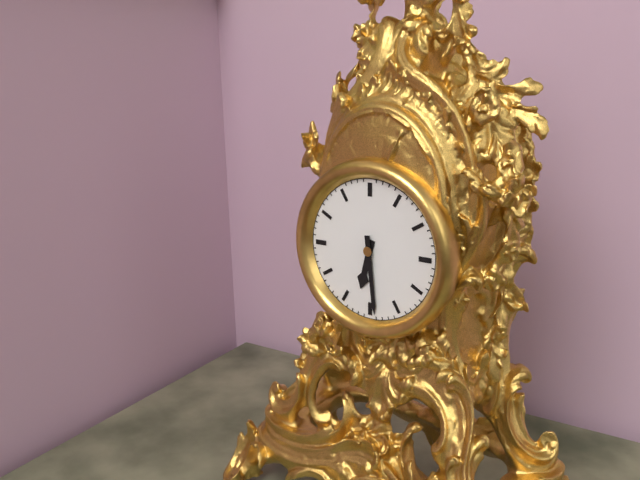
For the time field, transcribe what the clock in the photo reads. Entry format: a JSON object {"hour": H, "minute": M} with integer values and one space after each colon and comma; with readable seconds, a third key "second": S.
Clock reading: {"hour": 6, "minute": 29}
